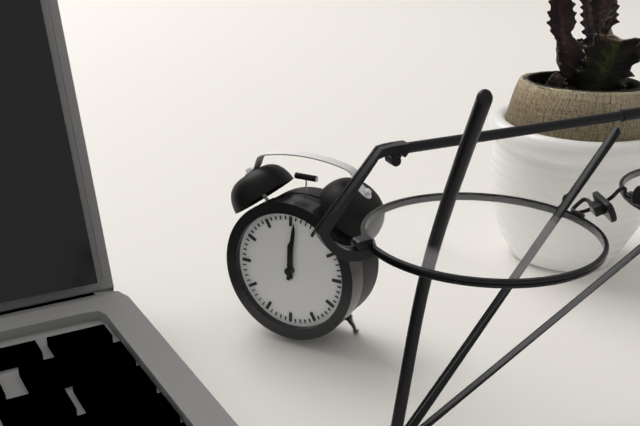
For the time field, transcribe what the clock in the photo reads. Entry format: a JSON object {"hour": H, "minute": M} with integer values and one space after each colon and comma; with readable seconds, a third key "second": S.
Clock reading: {"hour": 12, "minute": 1}
